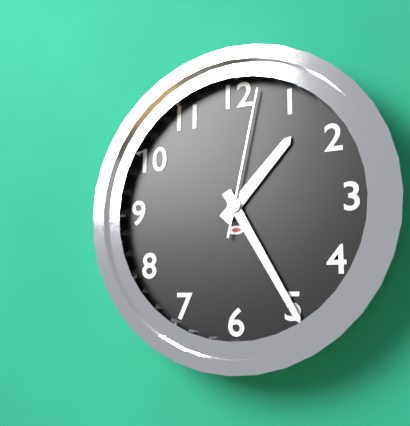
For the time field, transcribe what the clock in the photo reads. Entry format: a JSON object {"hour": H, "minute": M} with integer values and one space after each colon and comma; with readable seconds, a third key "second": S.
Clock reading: {"hour": 1, "minute": 25, "second": 2}
